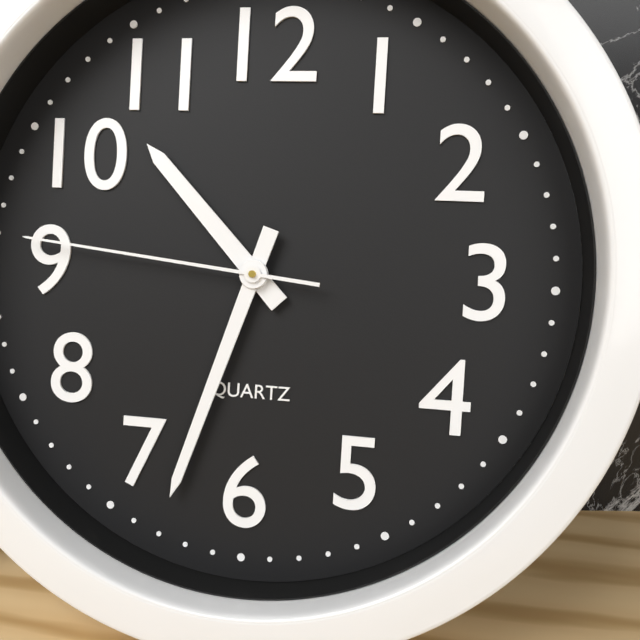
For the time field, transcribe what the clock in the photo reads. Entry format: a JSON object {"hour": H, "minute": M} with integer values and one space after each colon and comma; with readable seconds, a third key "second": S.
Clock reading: {"hour": 10, "minute": 33, "second": 46}
